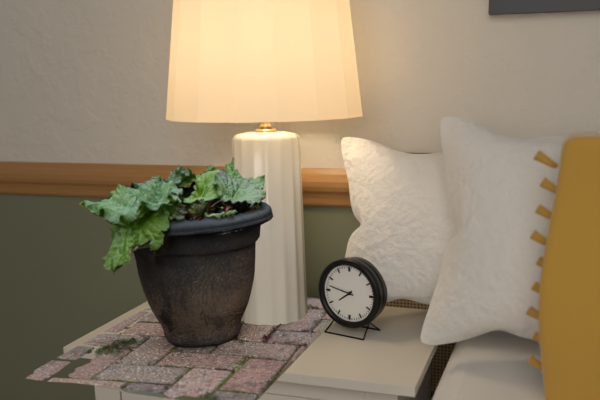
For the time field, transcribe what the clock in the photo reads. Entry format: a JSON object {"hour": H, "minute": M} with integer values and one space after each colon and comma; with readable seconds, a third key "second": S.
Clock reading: {"hour": 7, "minute": 47}
